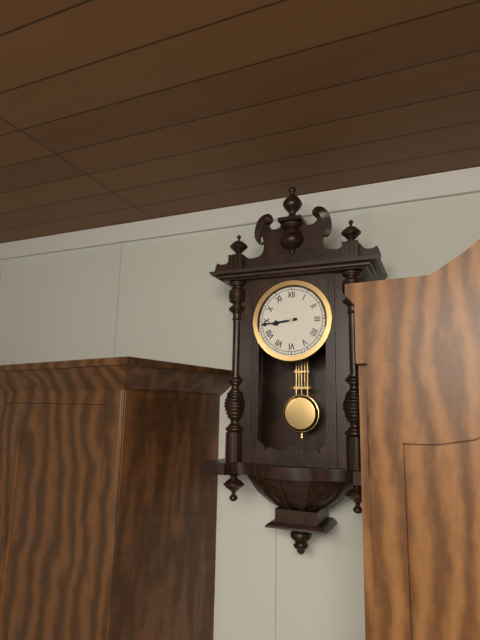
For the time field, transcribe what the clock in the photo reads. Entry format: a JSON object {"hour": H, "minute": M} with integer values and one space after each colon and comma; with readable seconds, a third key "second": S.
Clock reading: {"hour": 8, "minute": 44}
